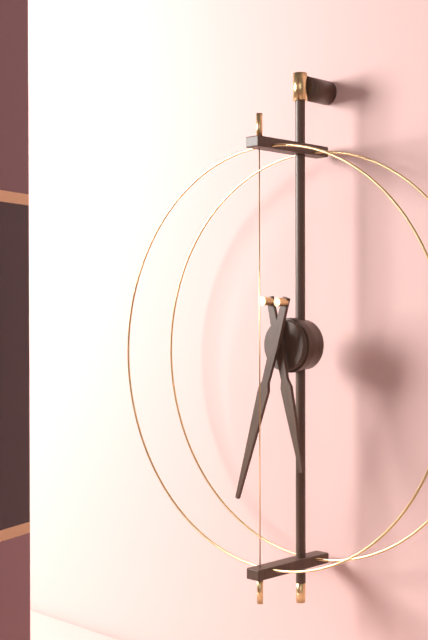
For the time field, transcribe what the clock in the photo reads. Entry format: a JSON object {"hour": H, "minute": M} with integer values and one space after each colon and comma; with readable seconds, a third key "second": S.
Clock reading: {"hour": 5, "minute": 33}
